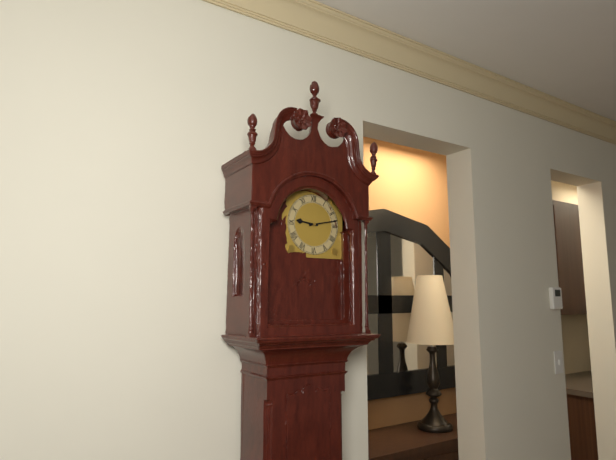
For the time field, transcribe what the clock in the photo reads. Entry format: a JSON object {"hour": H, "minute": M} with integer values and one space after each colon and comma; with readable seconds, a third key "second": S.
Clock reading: {"hour": 9, "minute": 13}
